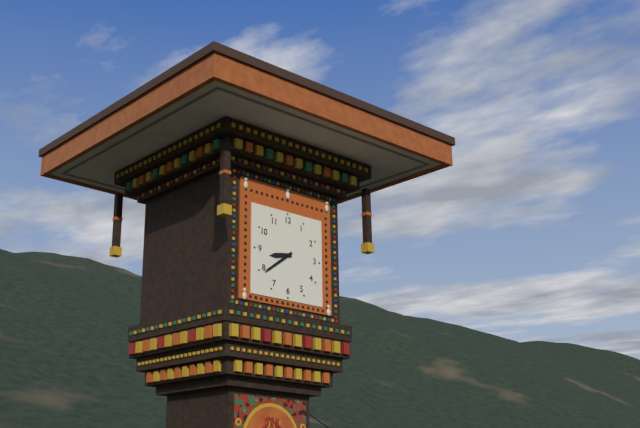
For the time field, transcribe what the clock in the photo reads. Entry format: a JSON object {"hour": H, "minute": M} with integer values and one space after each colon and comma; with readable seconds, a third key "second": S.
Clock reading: {"hour": 8, "minute": 39}
